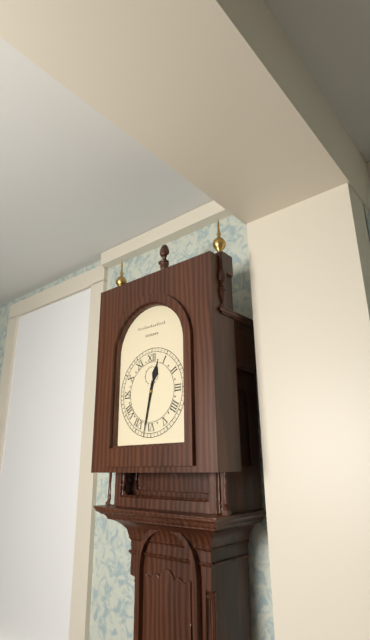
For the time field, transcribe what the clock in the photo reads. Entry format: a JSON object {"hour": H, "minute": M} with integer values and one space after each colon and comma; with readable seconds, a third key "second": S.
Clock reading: {"hour": 12, "minute": 32}
